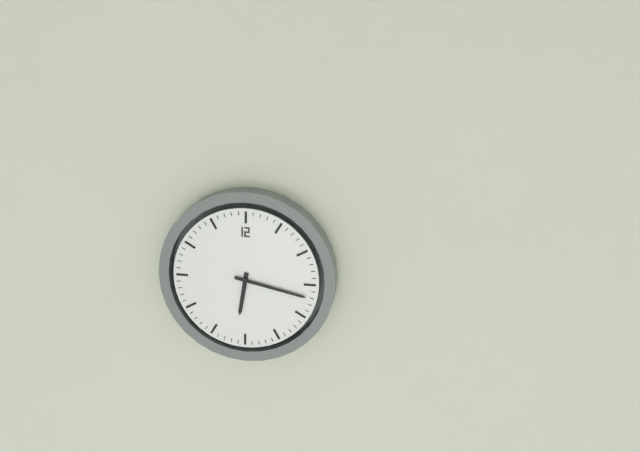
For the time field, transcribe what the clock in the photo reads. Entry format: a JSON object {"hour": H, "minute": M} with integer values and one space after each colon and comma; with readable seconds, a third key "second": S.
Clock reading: {"hour": 6, "minute": 17}
